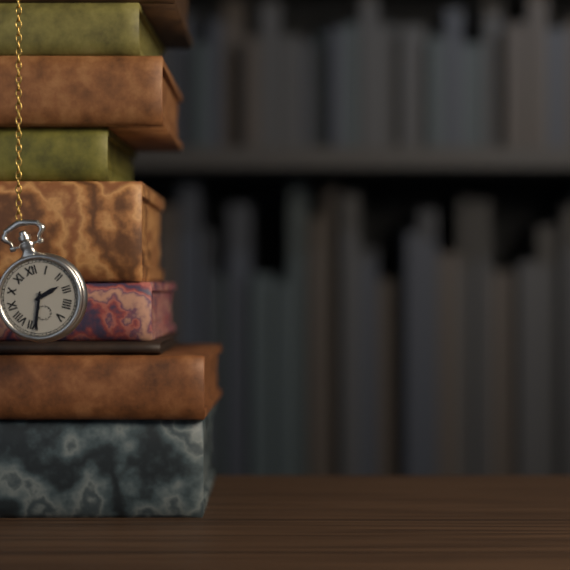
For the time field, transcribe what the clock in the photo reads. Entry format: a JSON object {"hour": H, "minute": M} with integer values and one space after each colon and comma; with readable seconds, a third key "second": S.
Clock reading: {"hour": 2, "minute": 34}
